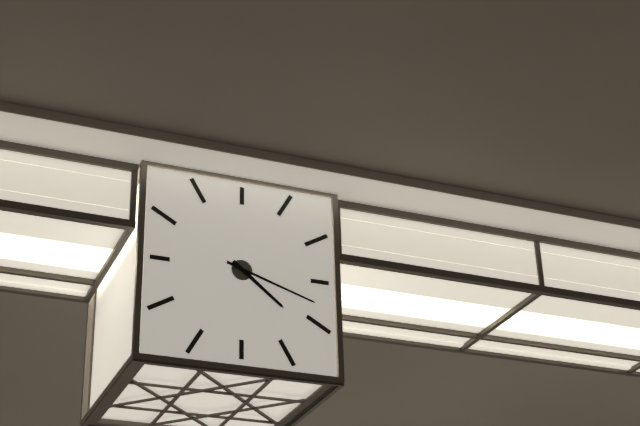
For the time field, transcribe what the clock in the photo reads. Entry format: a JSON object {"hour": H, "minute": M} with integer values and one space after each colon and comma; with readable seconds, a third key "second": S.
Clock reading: {"hour": 4, "minute": 18}
